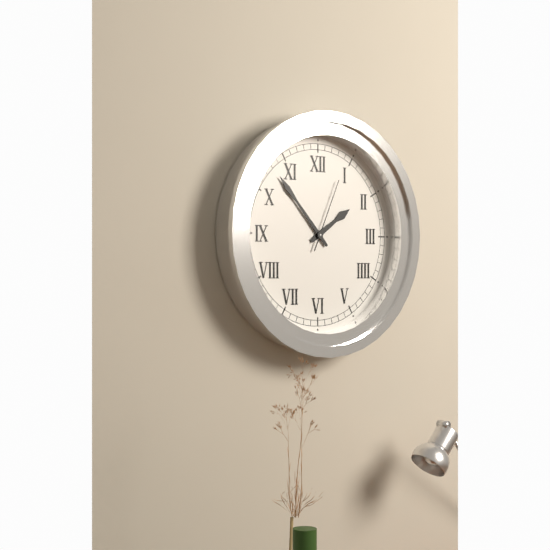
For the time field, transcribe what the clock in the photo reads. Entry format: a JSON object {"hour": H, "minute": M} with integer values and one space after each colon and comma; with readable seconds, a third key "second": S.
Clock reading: {"hour": 1, "minute": 53, "second": 4}
